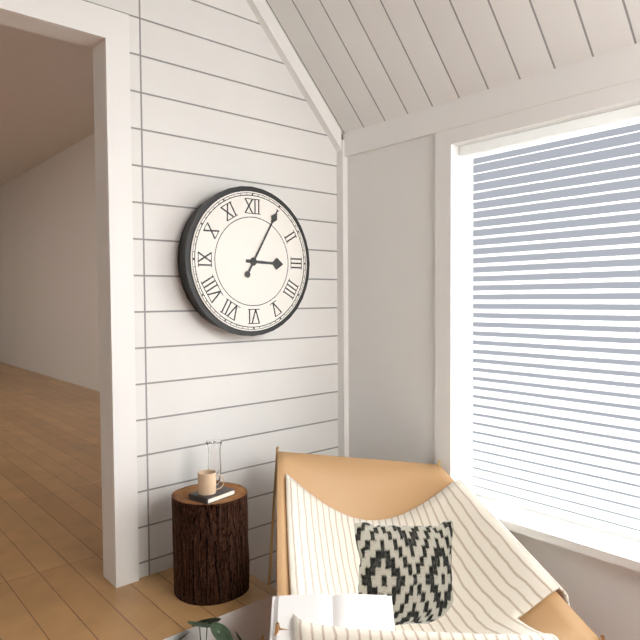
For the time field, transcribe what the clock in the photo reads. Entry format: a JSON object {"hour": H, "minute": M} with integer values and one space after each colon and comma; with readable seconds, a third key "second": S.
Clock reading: {"hour": 3, "minute": 5}
